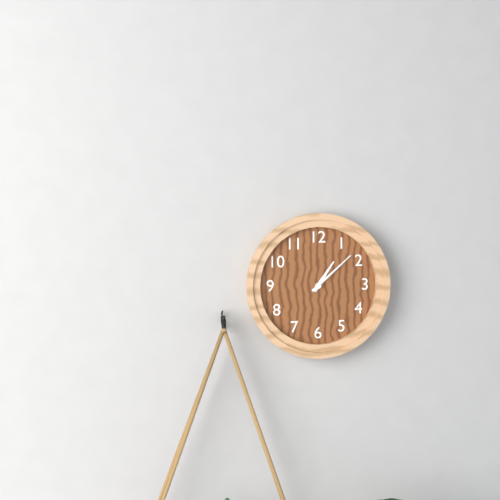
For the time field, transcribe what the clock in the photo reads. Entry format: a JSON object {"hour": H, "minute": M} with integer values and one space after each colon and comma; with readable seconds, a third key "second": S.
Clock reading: {"hour": 1, "minute": 8}
